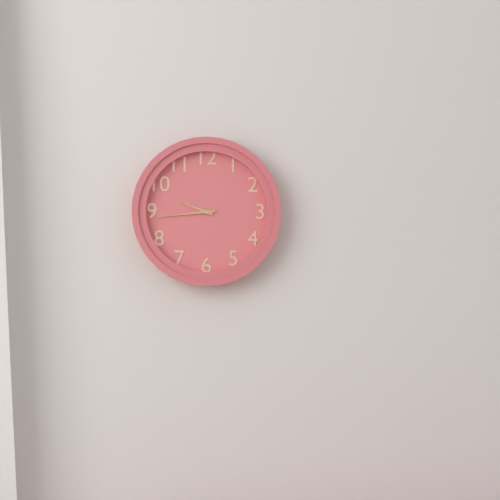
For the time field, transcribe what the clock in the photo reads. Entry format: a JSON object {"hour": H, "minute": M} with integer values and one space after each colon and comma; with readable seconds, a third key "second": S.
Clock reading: {"hour": 9, "minute": 44}
